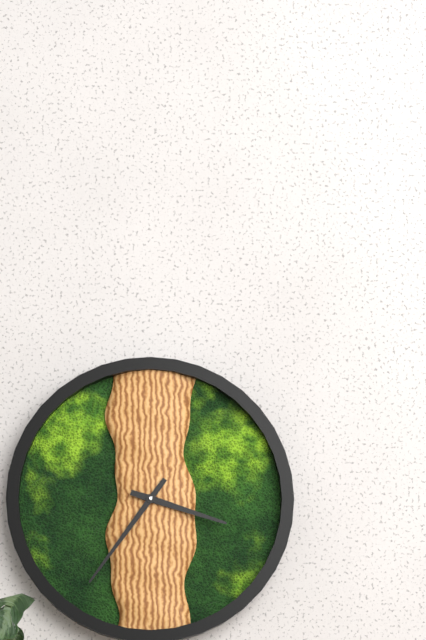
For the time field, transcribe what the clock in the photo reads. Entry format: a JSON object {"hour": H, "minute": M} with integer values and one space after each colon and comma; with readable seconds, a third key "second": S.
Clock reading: {"hour": 3, "minute": 36}
